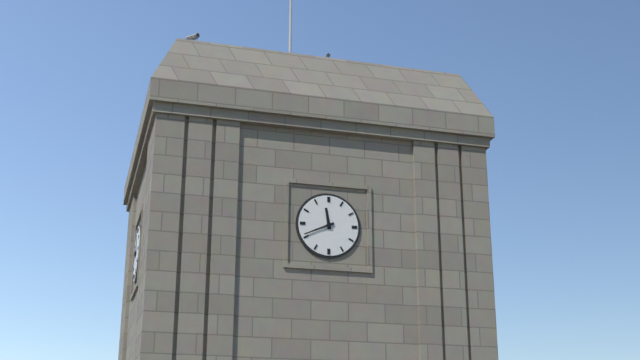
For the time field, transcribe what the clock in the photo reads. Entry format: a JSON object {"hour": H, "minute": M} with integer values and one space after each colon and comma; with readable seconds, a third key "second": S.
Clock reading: {"hour": 11, "minute": 41}
